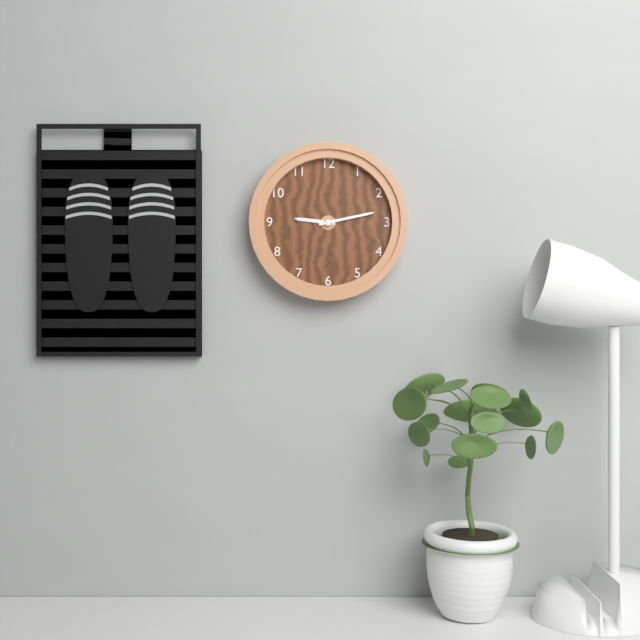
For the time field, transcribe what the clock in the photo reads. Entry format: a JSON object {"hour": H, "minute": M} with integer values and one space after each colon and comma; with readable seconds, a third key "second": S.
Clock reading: {"hour": 9, "minute": 13}
